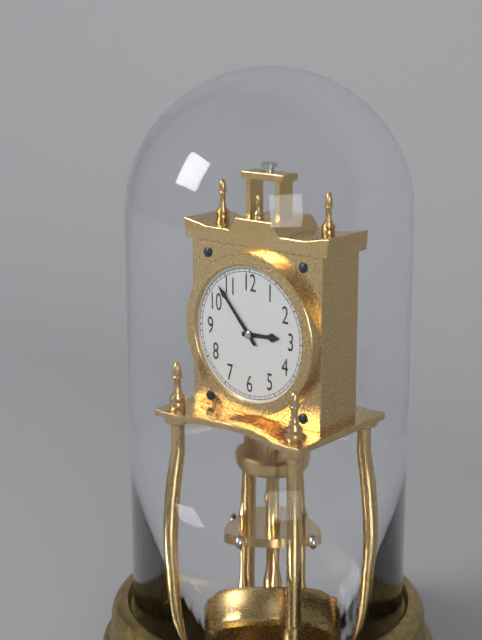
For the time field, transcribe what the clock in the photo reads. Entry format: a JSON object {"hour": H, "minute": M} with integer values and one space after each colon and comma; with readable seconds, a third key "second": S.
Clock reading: {"hour": 2, "minute": 53}
